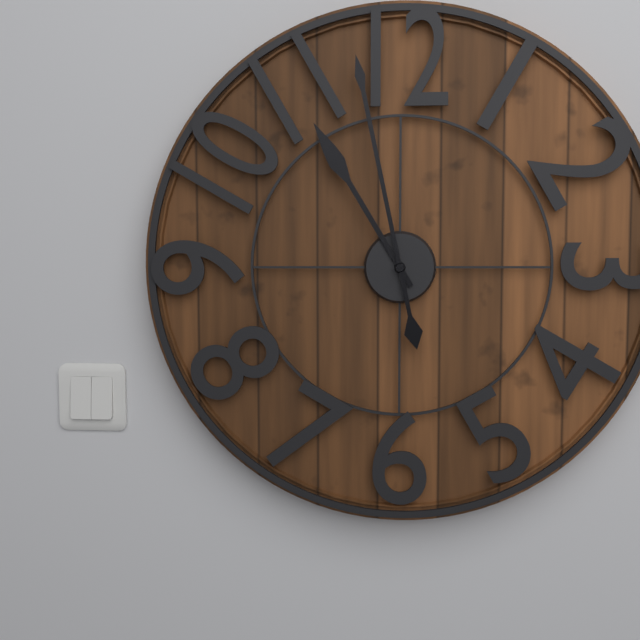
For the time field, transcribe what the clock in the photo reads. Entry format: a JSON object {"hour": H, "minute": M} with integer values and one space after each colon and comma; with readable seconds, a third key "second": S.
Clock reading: {"hour": 10, "minute": 58}
